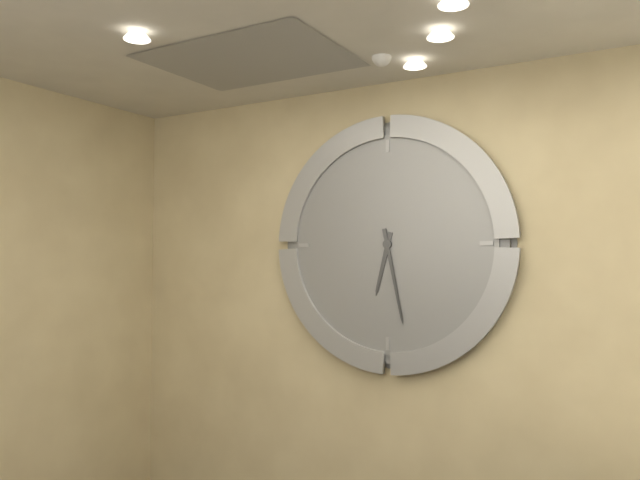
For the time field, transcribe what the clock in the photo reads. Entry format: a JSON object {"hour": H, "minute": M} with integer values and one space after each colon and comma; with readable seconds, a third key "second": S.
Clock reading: {"hour": 6, "minute": 28}
